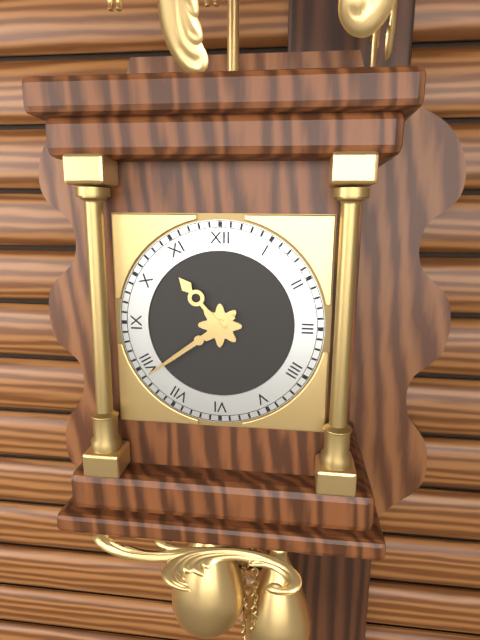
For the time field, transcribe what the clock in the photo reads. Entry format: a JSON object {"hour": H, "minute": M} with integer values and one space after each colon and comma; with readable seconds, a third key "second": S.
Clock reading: {"hour": 10, "minute": 39}
